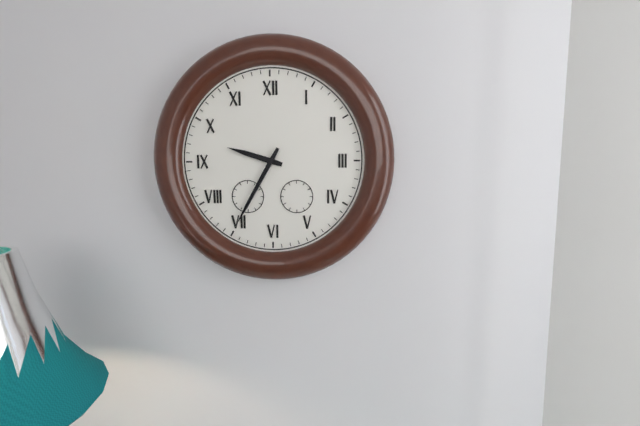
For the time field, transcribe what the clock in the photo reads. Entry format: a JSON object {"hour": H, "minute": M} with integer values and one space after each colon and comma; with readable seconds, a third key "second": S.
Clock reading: {"hour": 9, "minute": 35}
